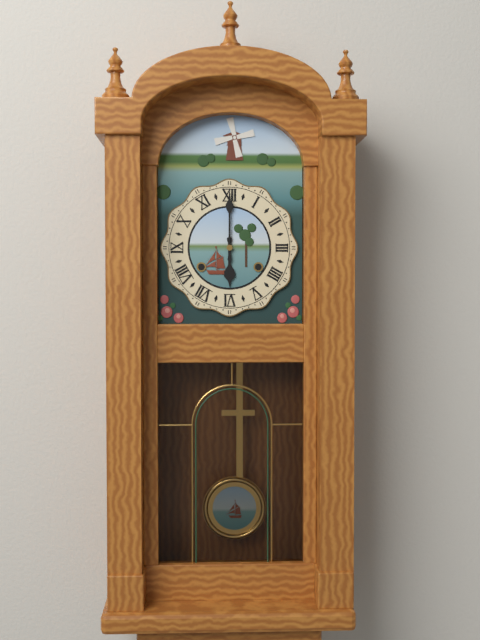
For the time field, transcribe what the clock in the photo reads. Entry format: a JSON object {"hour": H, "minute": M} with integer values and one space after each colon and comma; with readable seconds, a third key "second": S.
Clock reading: {"hour": 6, "minute": 0}
